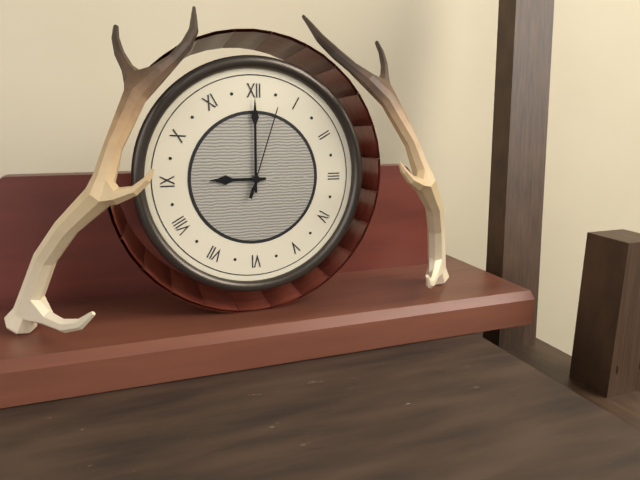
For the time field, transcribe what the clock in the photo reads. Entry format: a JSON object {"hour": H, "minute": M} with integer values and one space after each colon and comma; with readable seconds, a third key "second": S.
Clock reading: {"hour": 9, "minute": 0, "second": 3}
